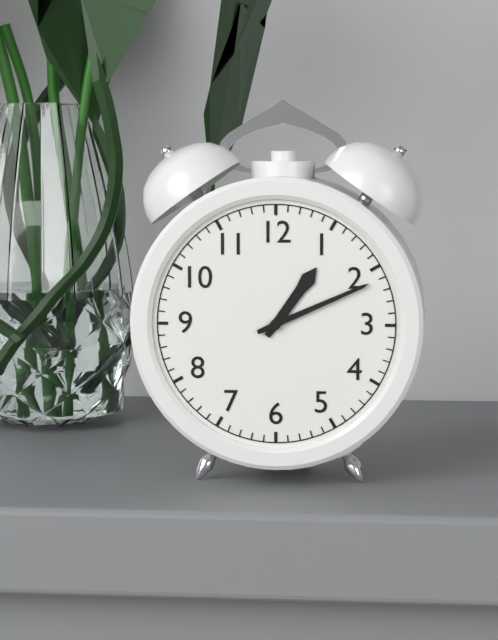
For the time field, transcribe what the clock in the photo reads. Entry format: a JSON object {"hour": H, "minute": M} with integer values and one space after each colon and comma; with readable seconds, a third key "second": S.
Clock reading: {"hour": 1, "minute": 11}
